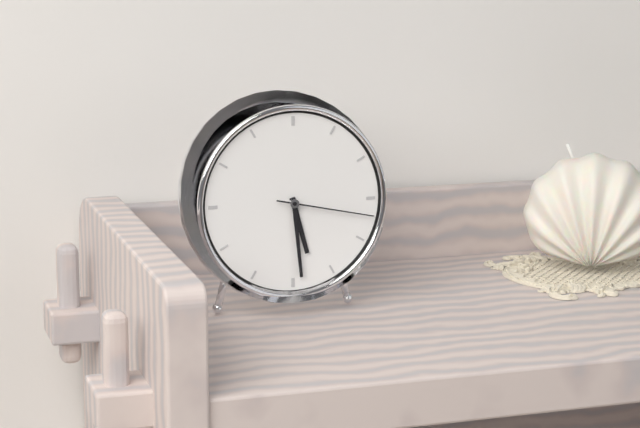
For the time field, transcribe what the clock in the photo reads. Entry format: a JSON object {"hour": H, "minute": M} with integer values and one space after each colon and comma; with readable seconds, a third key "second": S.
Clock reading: {"hour": 5, "minute": 29, "second": 17}
